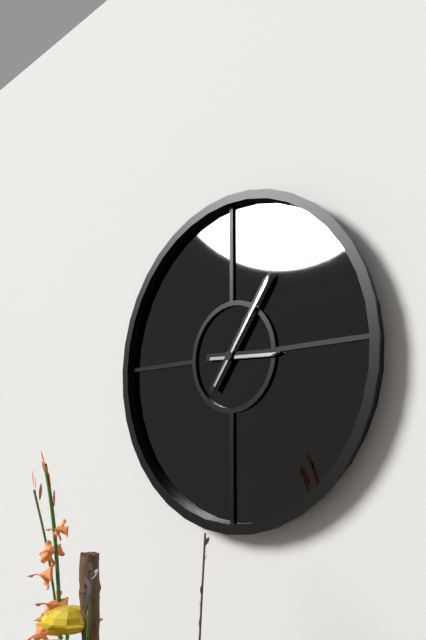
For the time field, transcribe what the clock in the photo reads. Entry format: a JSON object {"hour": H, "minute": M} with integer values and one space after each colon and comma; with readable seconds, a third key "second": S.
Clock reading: {"hour": 3, "minute": 6}
